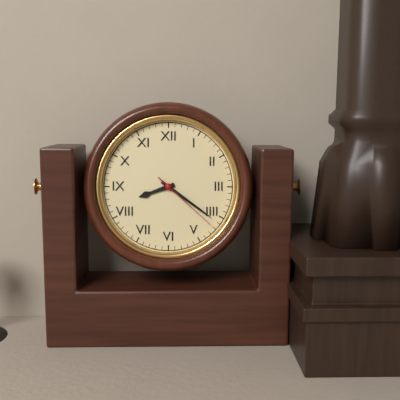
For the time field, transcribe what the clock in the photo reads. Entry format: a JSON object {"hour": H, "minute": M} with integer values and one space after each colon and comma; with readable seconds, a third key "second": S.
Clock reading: {"hour": 8, "minute": 21, "second": 22}
